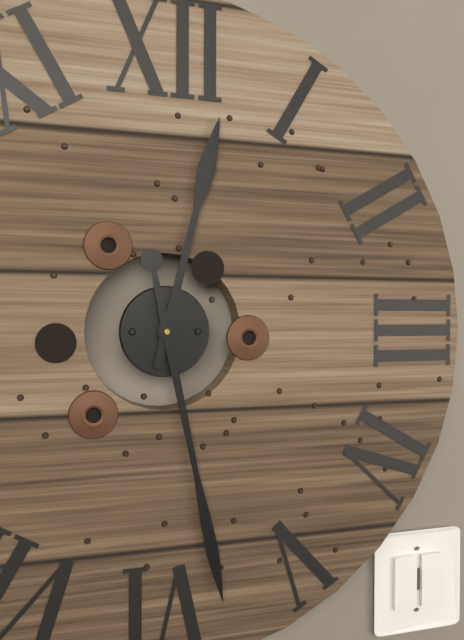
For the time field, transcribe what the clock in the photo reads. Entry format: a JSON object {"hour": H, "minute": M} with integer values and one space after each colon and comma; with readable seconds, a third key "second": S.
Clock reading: {"hour": 12, "minute": 28}
